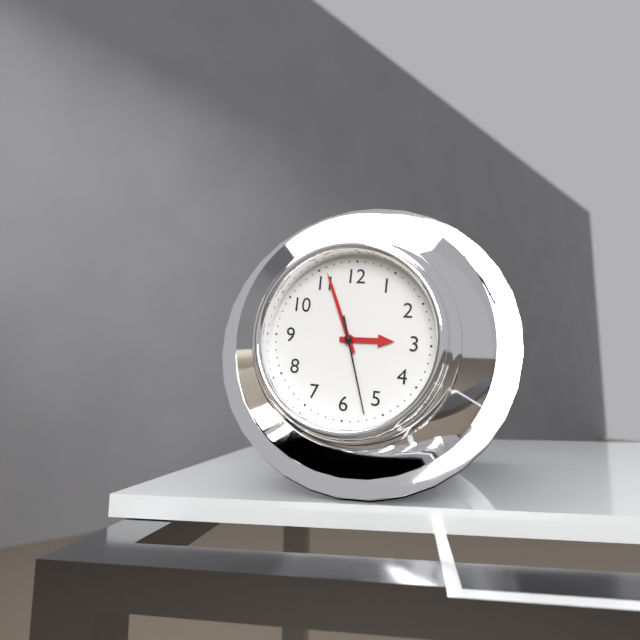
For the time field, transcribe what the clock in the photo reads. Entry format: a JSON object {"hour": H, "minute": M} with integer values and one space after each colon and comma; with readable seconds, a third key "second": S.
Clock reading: {"hour": 2, "minute": 56, "second": 27}
